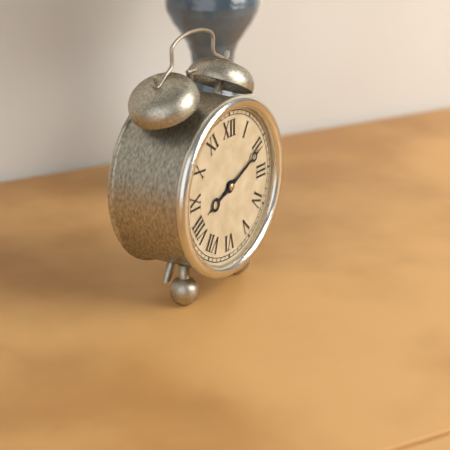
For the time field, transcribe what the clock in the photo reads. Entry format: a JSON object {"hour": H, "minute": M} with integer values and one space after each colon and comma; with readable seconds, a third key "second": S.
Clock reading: {"hour": 8, "minute": 11}
